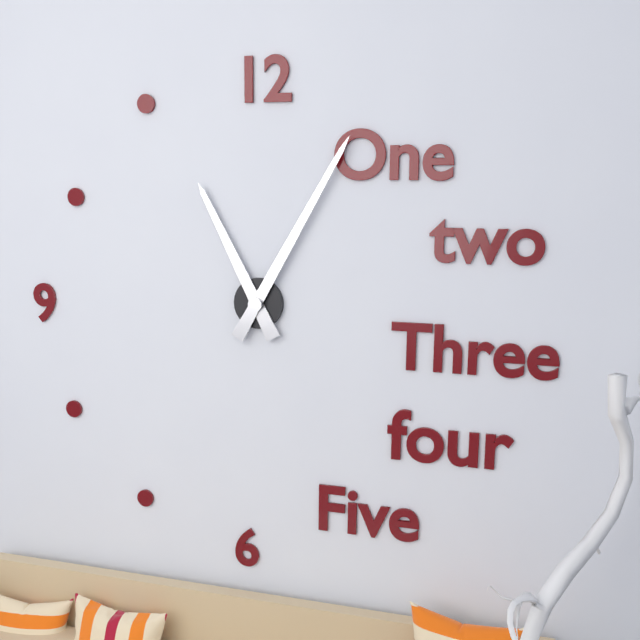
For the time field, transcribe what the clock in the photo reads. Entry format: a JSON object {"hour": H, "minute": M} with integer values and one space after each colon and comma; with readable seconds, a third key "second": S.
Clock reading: {"hour": 11, "minute": 5}
